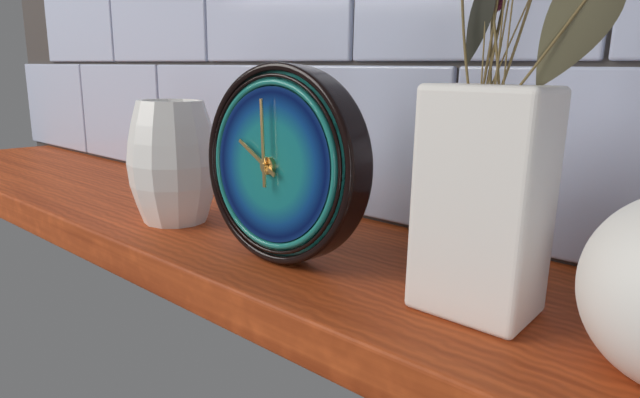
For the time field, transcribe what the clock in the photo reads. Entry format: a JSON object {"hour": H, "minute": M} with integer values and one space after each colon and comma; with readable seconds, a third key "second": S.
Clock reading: {"hour": 9, "minute": 59}
